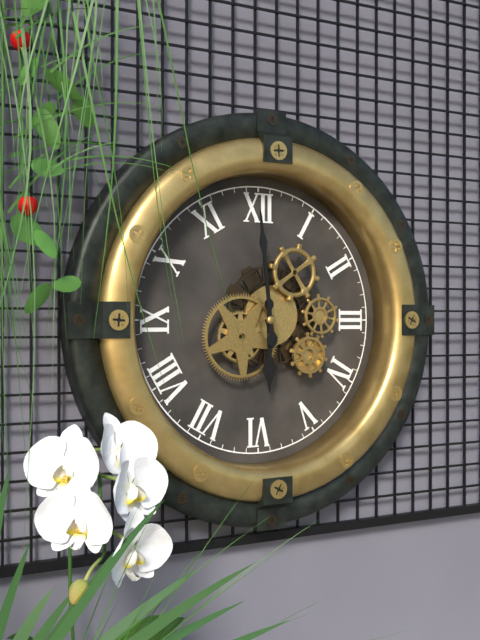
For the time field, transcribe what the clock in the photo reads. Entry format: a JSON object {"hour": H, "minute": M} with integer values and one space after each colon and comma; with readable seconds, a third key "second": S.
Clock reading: {"hour": 5, "minute": 59}
